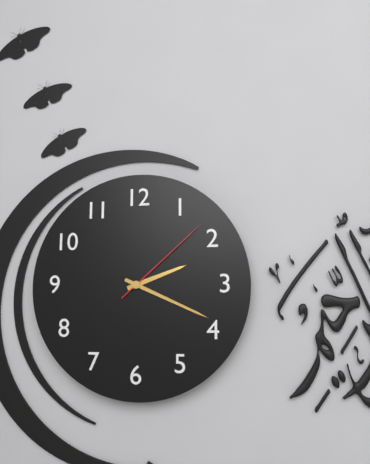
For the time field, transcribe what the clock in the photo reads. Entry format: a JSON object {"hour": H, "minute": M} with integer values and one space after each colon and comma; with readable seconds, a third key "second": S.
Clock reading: {"hour": 2, "minute": 19, "second": 8}
